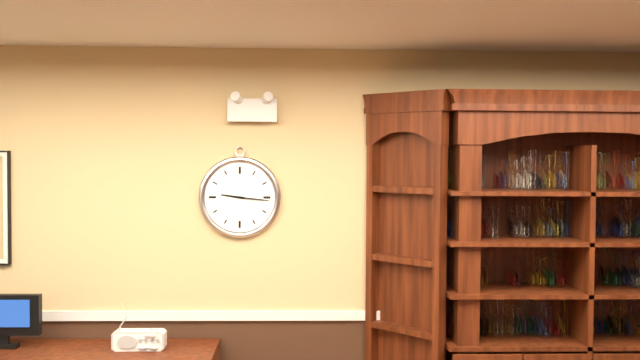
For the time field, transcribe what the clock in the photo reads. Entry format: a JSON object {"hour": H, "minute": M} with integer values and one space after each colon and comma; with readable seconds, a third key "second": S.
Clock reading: {"hour": 9, "minute": 16}
